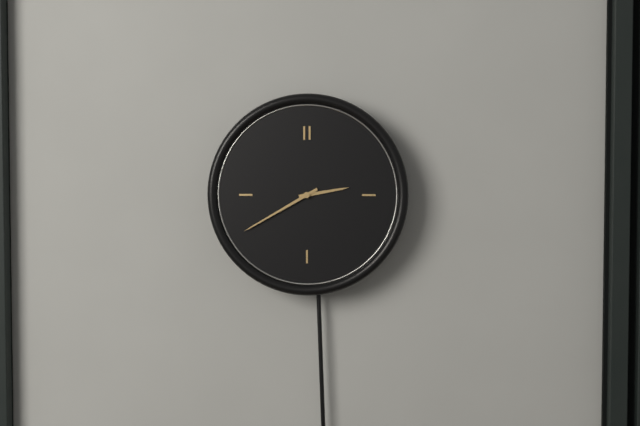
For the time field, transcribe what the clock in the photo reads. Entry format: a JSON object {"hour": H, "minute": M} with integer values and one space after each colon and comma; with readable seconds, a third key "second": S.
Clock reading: {"hour": 2, "minute": 40}
